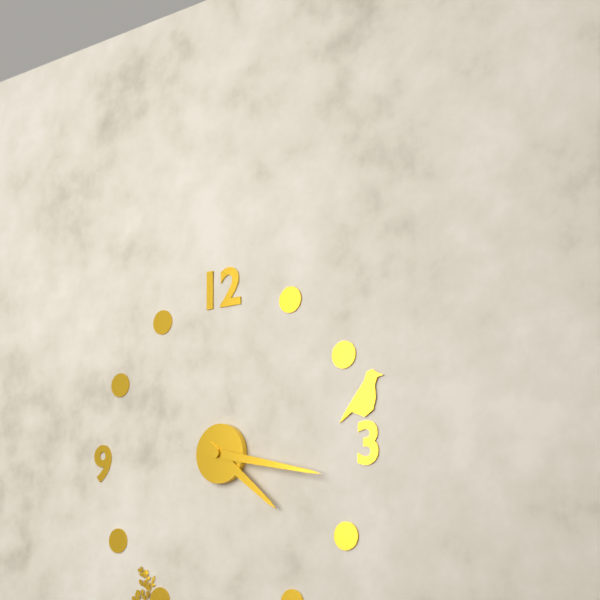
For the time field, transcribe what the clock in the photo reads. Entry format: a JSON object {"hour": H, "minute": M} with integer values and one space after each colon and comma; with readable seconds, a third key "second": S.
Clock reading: {"hour": 4, "minute": 17}
